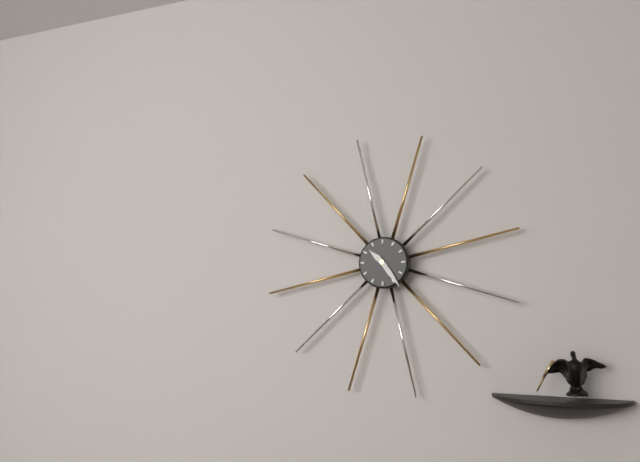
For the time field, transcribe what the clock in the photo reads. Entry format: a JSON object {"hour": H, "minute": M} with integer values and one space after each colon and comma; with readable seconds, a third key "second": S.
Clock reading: {"hour": 10, "minute": 24}
